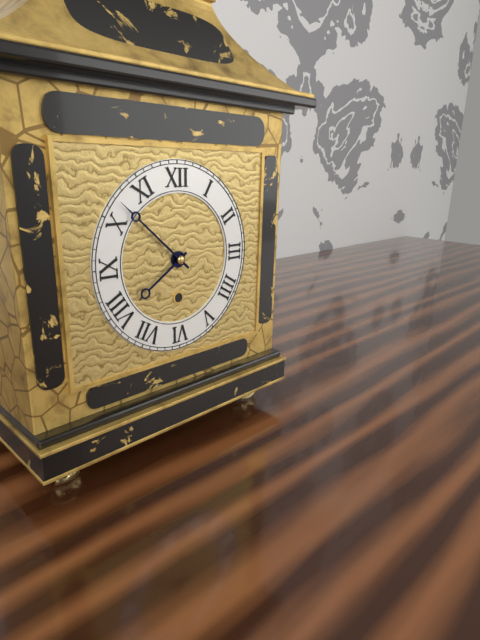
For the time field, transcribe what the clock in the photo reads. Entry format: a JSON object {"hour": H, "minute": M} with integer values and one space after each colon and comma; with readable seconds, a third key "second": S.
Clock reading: {"hour": 7, "minute": 52}
